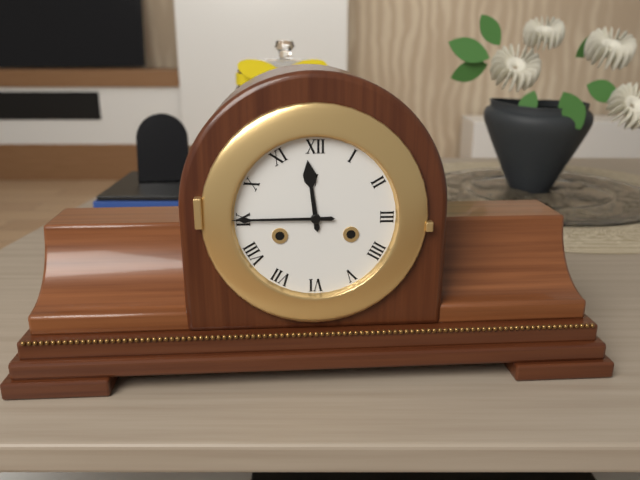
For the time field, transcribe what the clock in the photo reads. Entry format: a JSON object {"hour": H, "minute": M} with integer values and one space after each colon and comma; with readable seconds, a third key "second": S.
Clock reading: {"hour": 11, "minute": 45}
